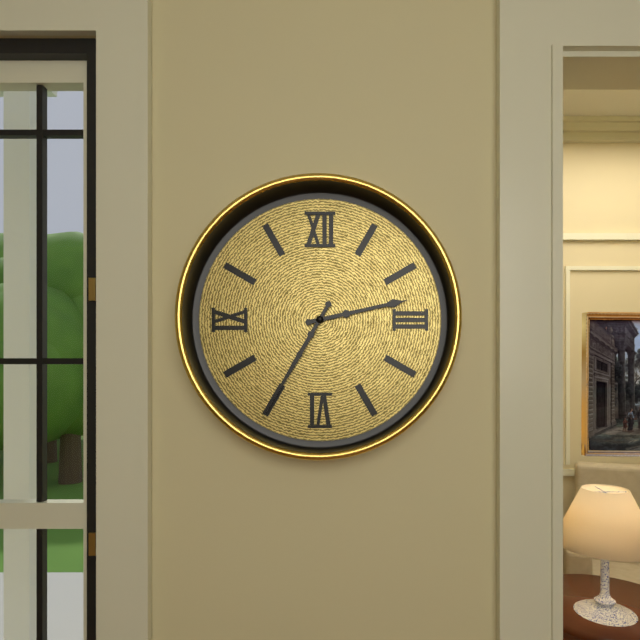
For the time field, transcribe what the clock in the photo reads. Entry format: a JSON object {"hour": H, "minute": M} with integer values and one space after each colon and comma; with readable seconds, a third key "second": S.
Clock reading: {"hour": 2, "minute": 35}
